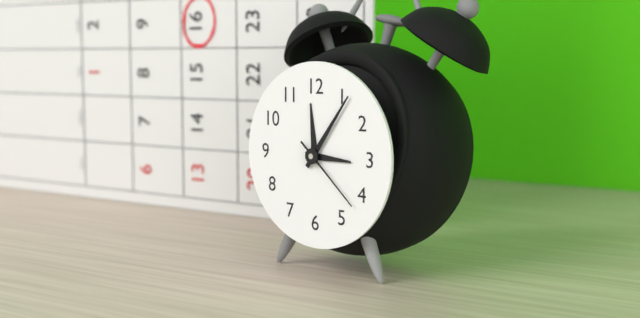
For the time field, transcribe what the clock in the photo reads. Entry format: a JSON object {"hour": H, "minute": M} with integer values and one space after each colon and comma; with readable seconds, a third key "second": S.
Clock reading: {"hour": 3, "minute": 6, "second": 22}
